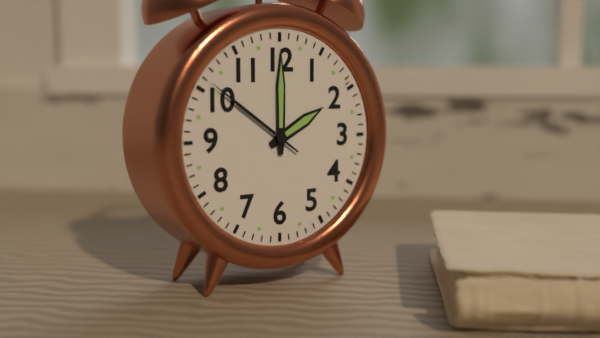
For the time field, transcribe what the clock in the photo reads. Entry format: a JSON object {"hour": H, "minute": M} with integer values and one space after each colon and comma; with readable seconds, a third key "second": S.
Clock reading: {"hour": 2, "minute": 0, "second": 51}
